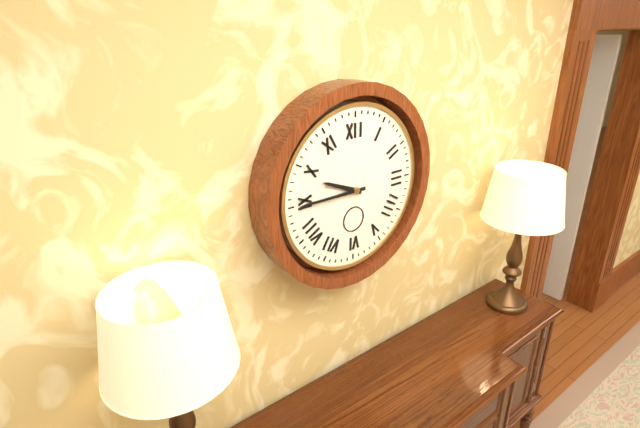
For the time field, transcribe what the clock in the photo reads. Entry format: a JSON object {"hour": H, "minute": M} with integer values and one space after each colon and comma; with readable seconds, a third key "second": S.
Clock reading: {"hour": 9, "minute": 45}
